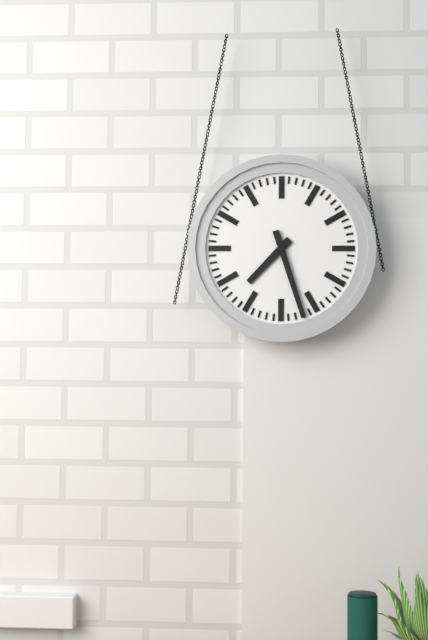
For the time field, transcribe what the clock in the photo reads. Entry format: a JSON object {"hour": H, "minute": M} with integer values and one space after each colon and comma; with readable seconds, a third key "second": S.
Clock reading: {"hour": 7, "minute": 27}
